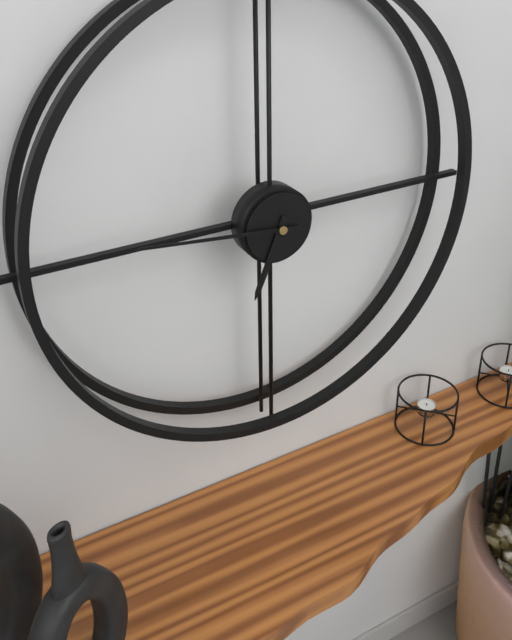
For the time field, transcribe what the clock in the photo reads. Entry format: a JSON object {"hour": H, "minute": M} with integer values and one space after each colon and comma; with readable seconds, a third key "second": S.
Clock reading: {"hour": 6, "minute": 46}
